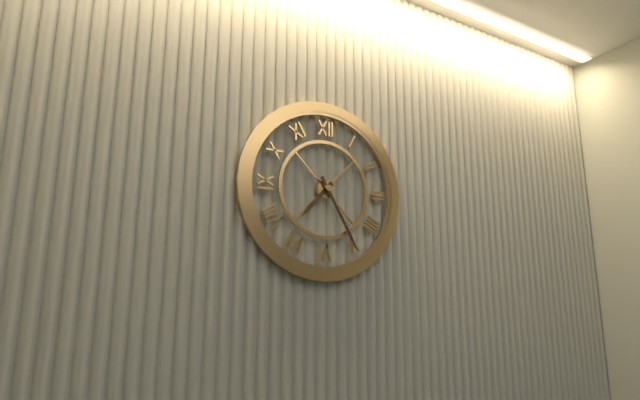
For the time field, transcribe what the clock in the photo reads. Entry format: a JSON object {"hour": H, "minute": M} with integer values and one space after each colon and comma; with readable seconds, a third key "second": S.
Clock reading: {"hour": 7, "minute": 25}
